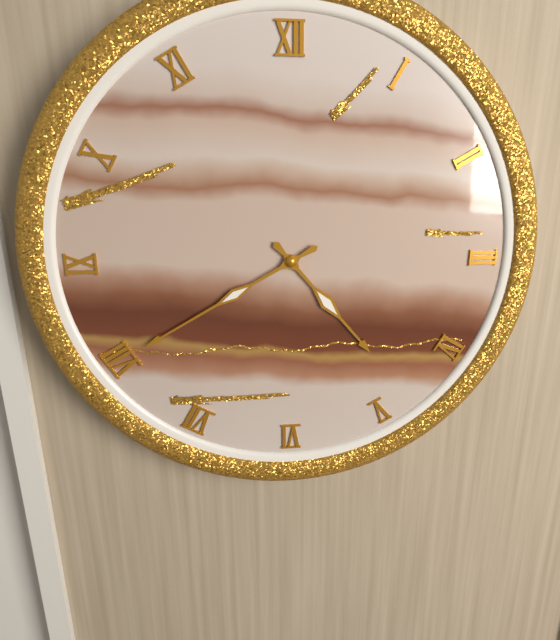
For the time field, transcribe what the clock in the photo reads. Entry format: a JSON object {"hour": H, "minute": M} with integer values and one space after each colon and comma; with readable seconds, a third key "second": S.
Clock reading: {"hour": 4, "minute": 40}
